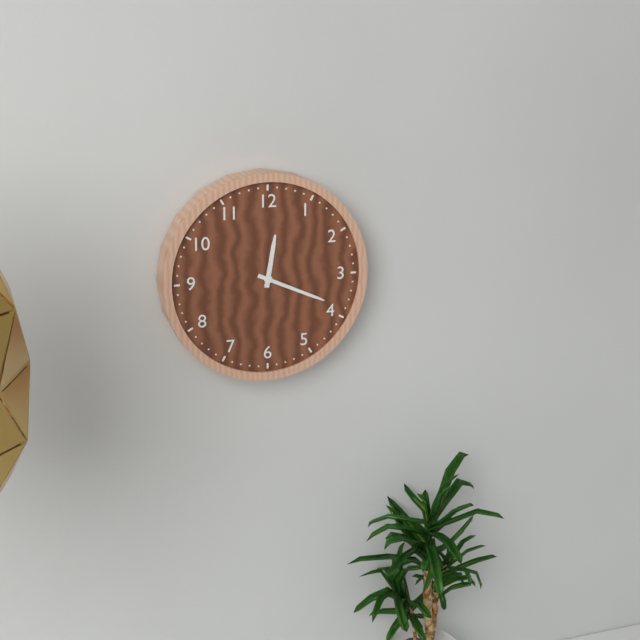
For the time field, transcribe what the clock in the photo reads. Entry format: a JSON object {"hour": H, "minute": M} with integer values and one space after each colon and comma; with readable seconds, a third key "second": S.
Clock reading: {"hour": 12, "minute": 19}
